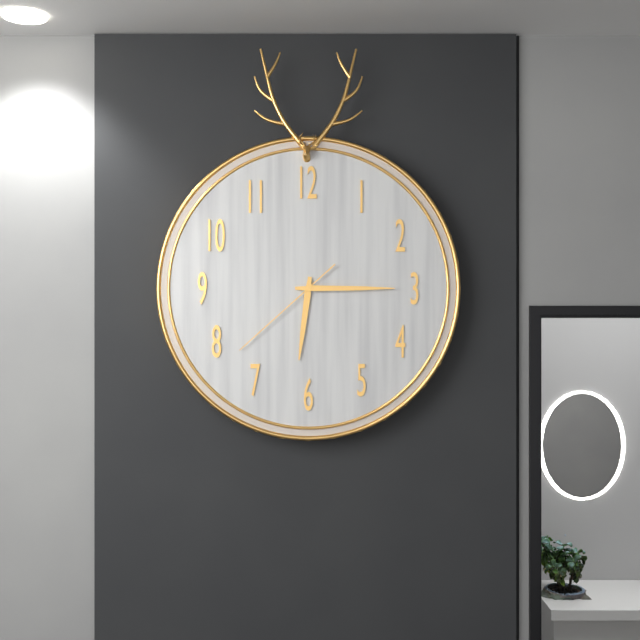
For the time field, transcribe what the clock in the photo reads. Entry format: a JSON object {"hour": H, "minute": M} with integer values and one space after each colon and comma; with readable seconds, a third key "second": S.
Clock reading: {"hour": 6, "minute": 15, "second": 38}
